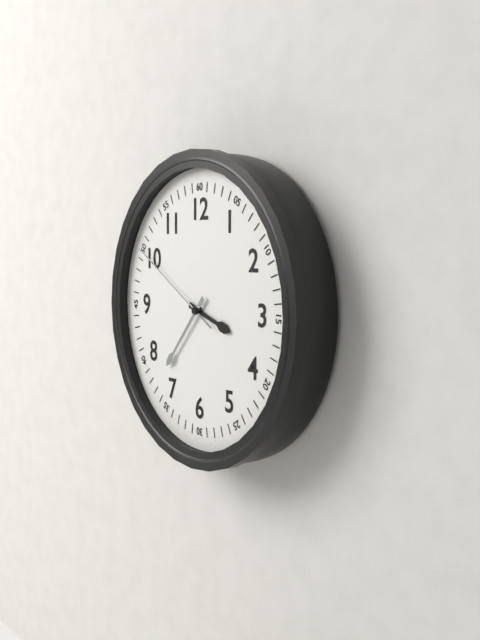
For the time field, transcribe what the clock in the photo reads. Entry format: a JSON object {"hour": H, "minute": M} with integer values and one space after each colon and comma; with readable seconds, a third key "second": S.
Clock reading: {"hour": 3, "minute": 37, "second": 50}
